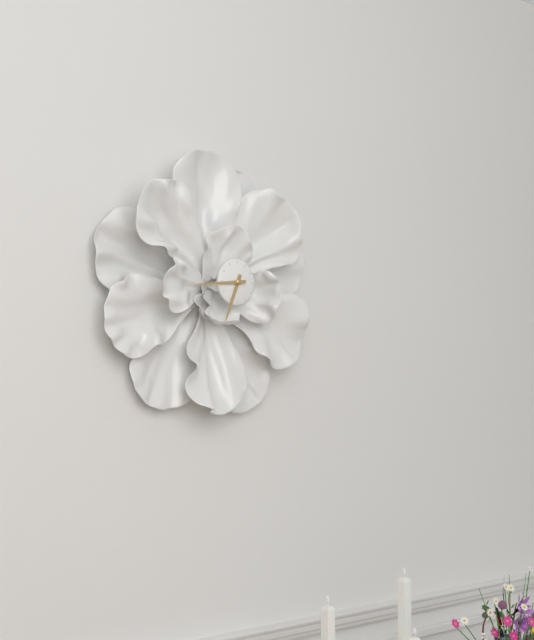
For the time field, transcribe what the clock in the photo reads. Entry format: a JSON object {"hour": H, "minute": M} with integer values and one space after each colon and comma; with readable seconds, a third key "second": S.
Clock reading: {"hour": 6, "minute": 44}
